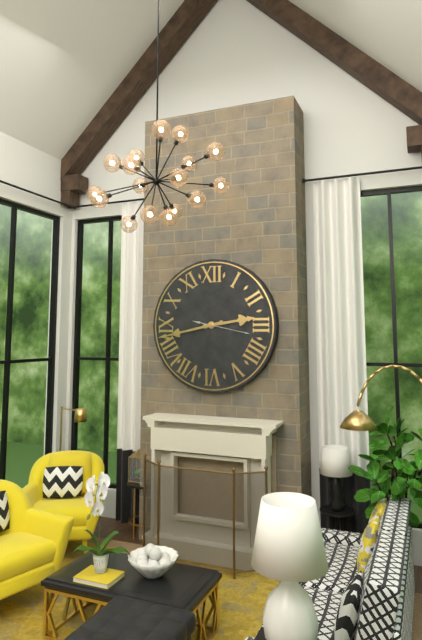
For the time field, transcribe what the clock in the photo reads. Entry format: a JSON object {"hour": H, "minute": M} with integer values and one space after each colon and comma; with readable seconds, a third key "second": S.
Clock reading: {"hour": 2, "minute": 43}
